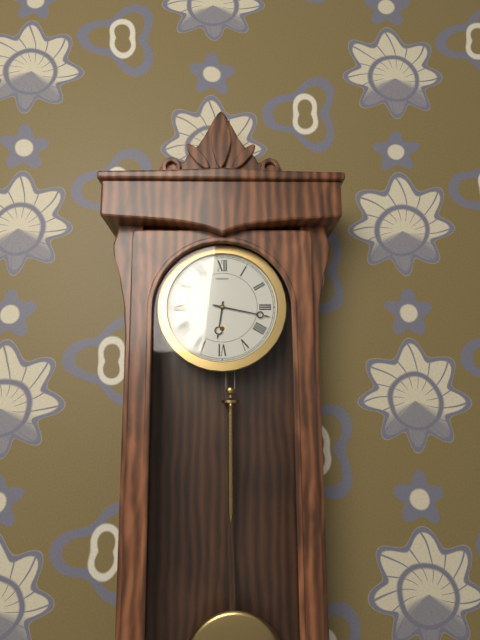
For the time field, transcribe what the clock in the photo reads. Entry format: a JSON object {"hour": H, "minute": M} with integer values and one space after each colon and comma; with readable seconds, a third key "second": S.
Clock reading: {"hour": 6, "minute": 17}
